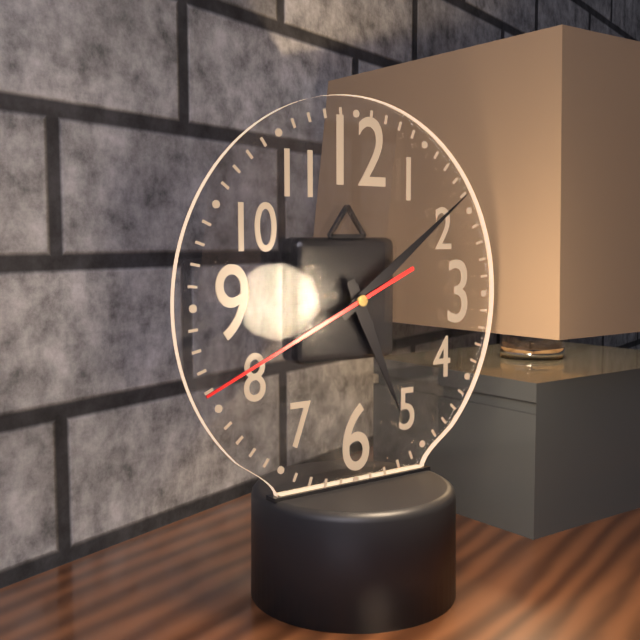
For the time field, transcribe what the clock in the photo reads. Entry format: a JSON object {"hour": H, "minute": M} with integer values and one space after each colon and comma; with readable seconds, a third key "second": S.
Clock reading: {"hour": 5, "minute": 9, "second": 41}
